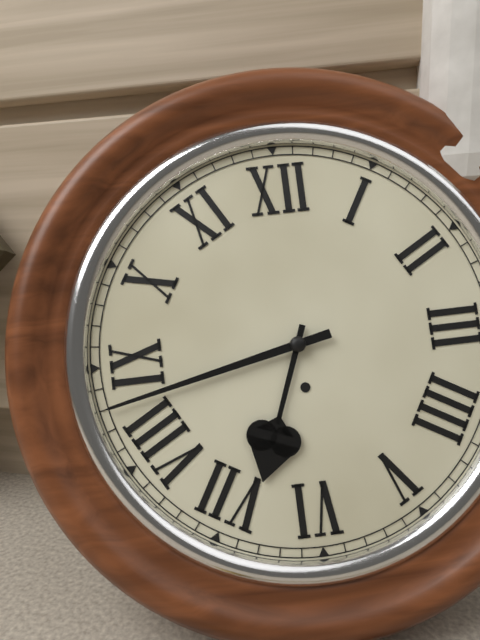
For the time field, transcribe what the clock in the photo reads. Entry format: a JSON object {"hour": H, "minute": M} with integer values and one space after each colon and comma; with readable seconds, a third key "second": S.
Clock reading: {"hour": 6, "minute": 43}
